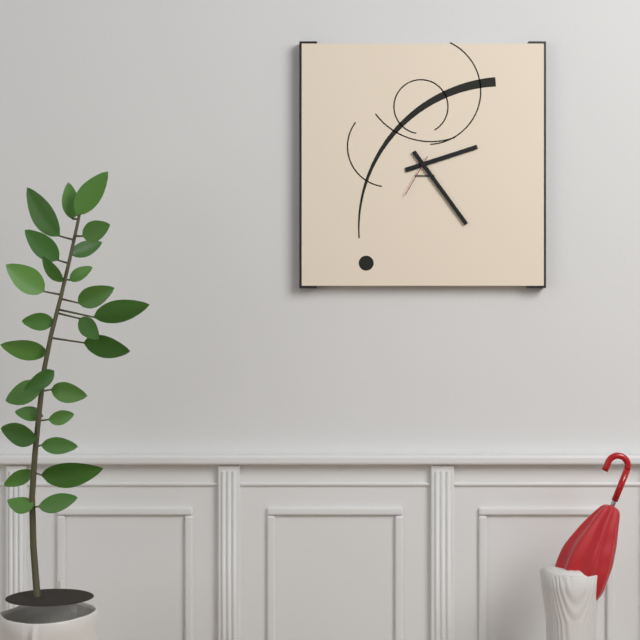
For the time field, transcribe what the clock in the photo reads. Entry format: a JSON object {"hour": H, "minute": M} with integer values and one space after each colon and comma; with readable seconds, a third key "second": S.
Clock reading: {"hour": 2, "minute": 24}
